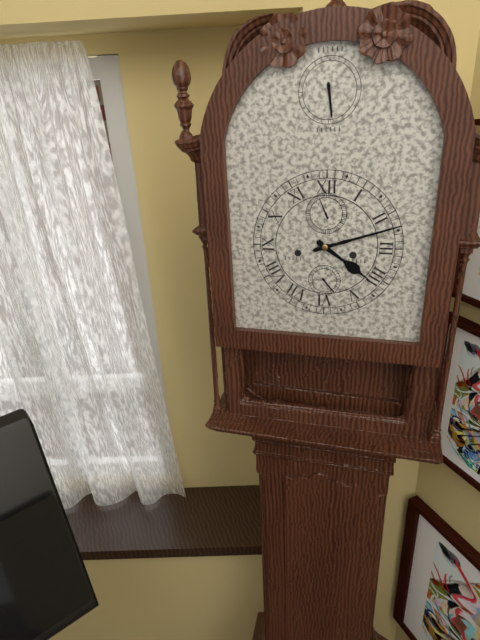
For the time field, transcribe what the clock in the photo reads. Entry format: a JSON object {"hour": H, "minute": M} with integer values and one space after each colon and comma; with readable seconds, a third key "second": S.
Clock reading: {"hour": 4, "minute": 12}
